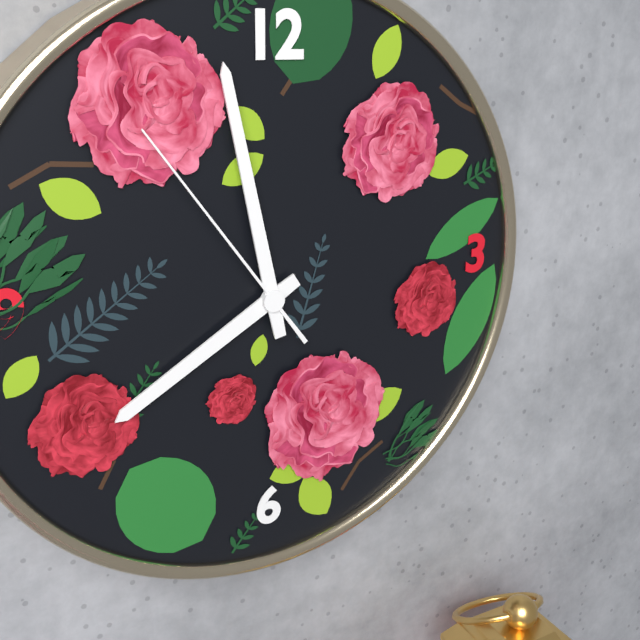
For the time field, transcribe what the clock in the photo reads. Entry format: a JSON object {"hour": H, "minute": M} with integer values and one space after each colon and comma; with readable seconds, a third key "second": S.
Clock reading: {"hour": 7, "minute": 58, "second": 54}
